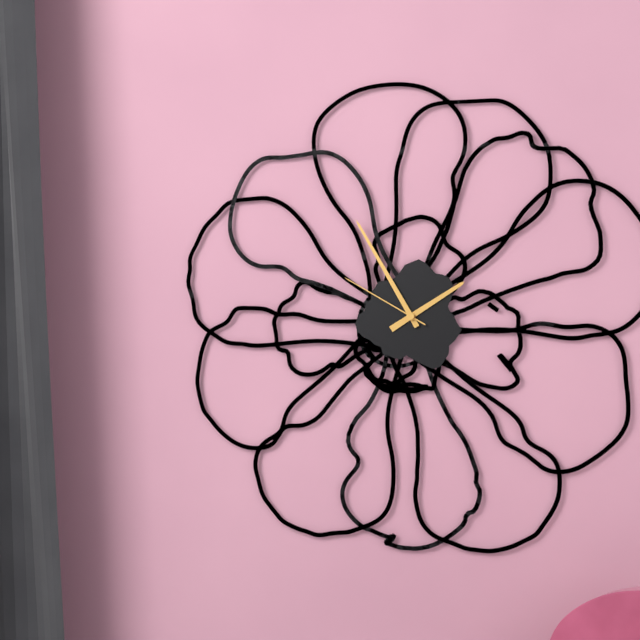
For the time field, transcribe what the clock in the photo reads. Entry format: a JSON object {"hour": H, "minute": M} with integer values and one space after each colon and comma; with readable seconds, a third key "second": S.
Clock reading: {"hour": 1, "minute": 55, "second": 50}
